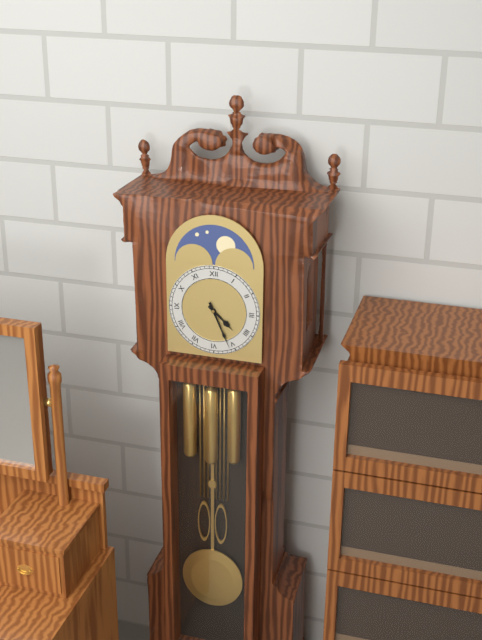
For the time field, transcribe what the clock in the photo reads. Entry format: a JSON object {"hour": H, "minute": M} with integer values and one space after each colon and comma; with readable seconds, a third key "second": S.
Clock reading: {"hour": 4, "minute": 26}
